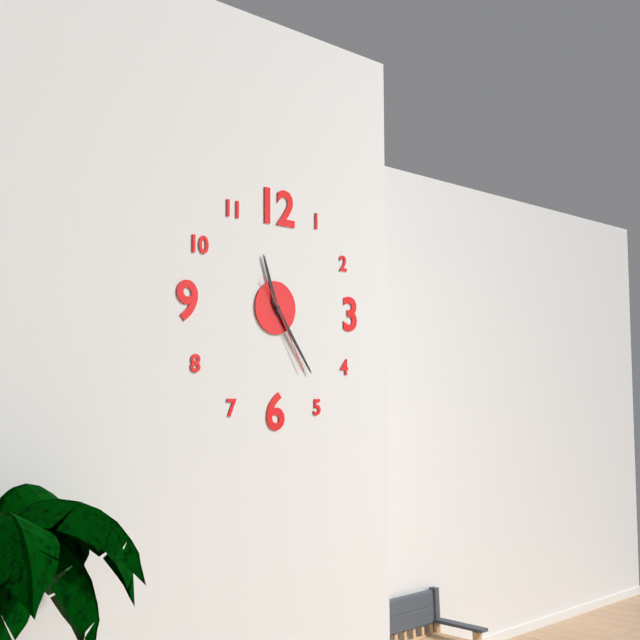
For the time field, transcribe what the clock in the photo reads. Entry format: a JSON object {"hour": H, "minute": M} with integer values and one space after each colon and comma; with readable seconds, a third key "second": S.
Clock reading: {"hour": 11, "minute": 24, "second": 25}
